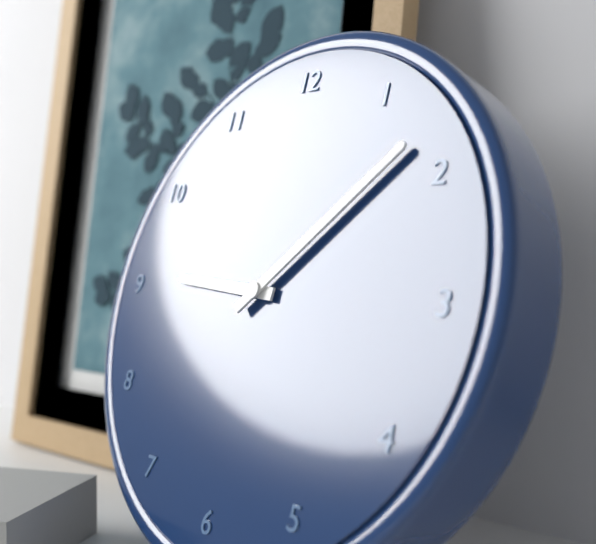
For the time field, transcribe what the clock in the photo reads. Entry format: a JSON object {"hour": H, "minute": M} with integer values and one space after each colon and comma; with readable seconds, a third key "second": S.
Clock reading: {"hour": 9, "minute": 8}
